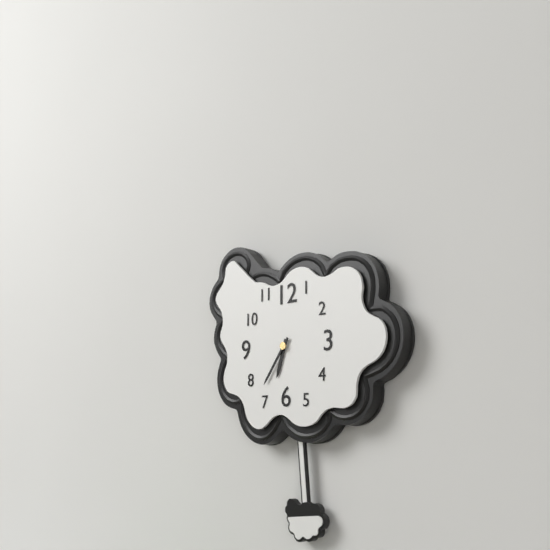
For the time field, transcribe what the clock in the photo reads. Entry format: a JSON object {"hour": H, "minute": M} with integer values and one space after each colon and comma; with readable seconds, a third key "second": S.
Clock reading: {"hour": 6, "minute": 36}
